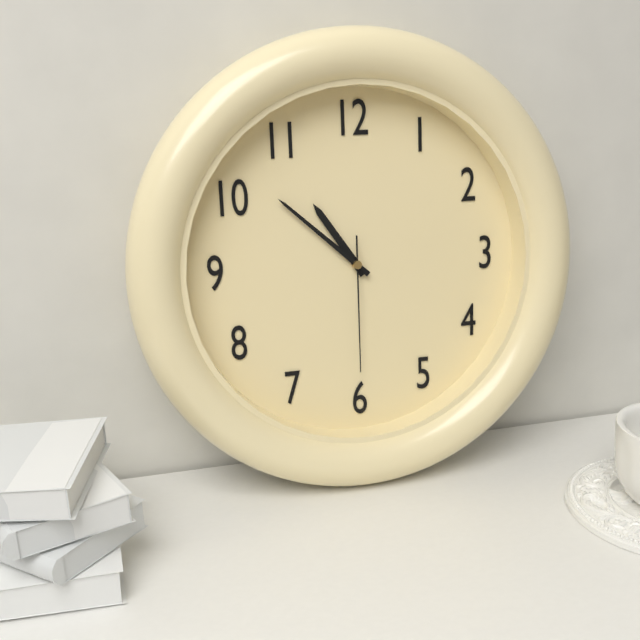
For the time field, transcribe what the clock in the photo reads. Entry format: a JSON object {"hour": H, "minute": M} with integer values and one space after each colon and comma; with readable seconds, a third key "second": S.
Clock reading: {"hour": 10, "minute": 52, "second": 30}
